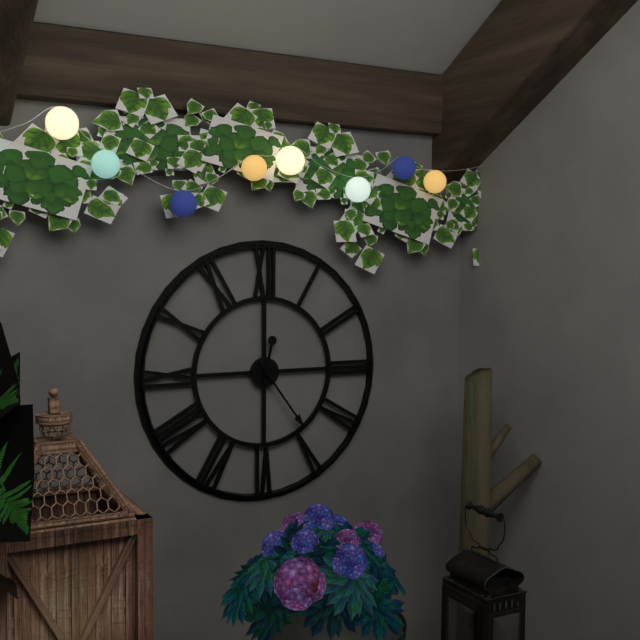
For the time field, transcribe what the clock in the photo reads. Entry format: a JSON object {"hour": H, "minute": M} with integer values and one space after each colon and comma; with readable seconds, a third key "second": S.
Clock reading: {"hour": 12, "minute": 24}
